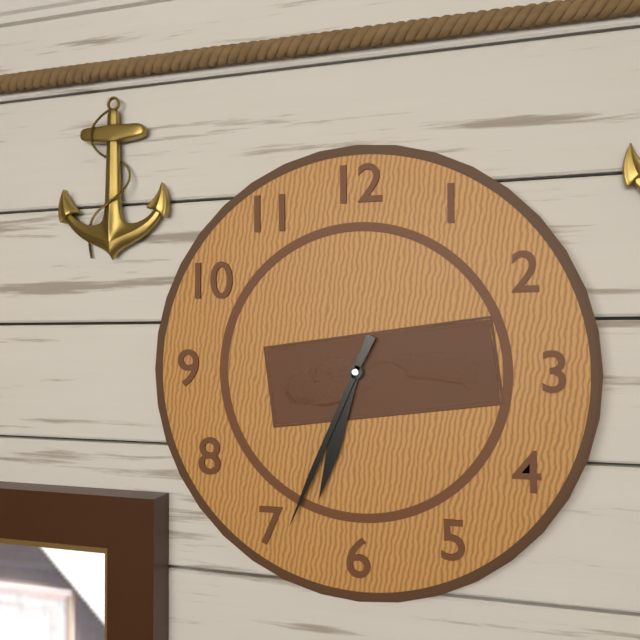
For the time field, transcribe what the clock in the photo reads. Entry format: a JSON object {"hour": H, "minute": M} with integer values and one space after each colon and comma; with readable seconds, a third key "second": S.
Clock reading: {"hour": 6, "minute": 34}
